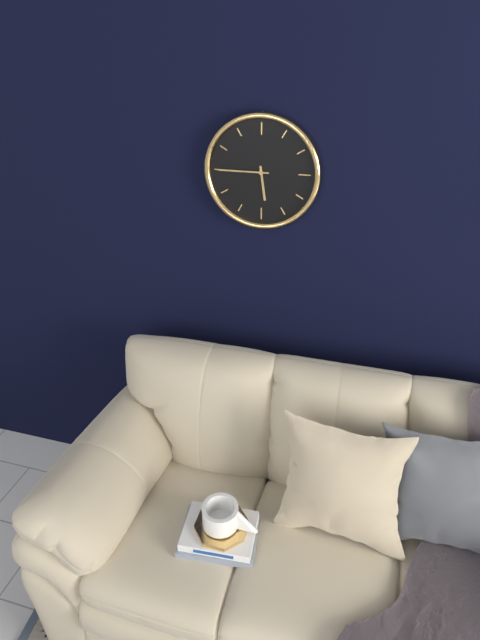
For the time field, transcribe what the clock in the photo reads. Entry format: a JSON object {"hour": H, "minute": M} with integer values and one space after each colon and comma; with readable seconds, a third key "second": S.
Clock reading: {"hour": 5, "minute": 45}
